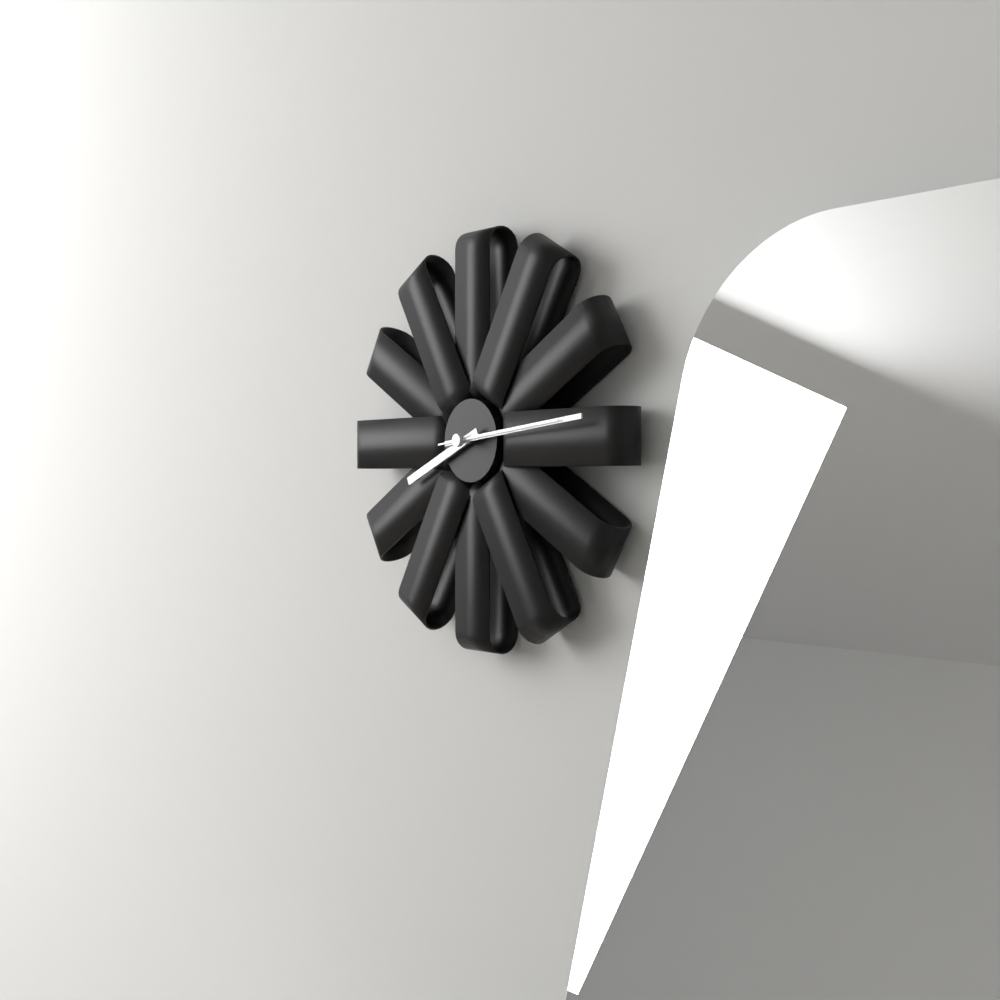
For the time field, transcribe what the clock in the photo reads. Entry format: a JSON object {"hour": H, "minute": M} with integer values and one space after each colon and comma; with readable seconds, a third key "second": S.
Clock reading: {"hour": 8, "minute": 14, "second": 14}
